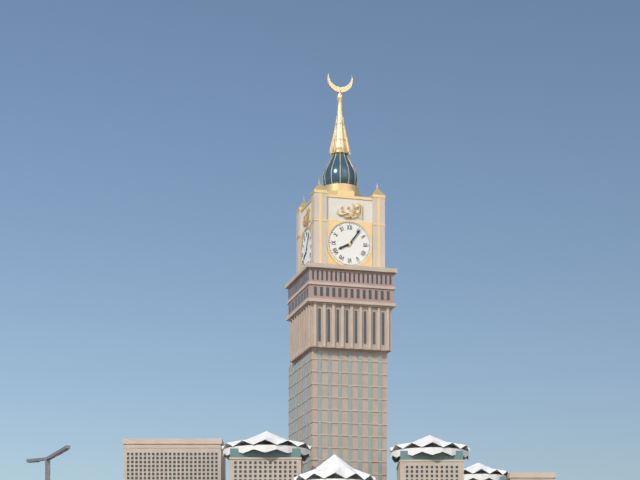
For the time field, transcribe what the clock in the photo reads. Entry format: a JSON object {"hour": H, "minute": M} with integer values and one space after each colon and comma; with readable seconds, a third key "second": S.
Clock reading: {"hour": 8, "minute": 6}
